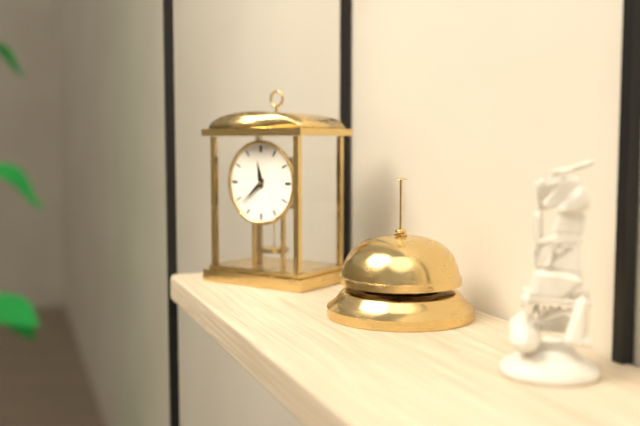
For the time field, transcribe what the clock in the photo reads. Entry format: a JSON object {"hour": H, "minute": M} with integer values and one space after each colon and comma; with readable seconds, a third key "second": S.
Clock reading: {"hour": 11, "minute": 38}
